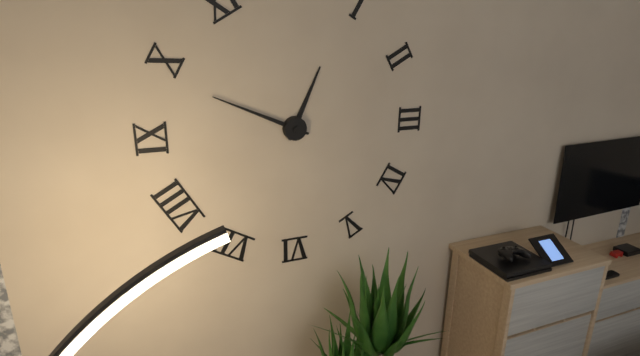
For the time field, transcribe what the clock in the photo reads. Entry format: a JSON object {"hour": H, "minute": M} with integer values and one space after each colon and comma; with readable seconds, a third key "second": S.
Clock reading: {"hour": 12, "minute": 49}
